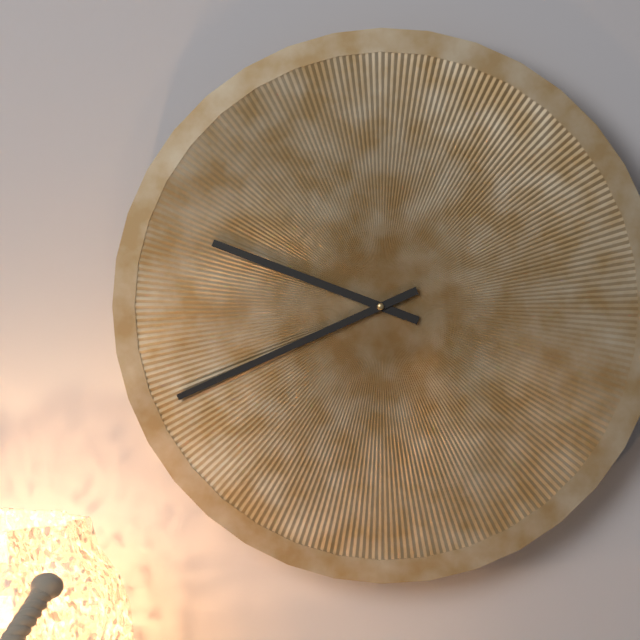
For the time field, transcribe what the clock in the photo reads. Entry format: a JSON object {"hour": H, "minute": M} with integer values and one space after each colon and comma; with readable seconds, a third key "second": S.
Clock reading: {"hour": 9, "minute": 41}
